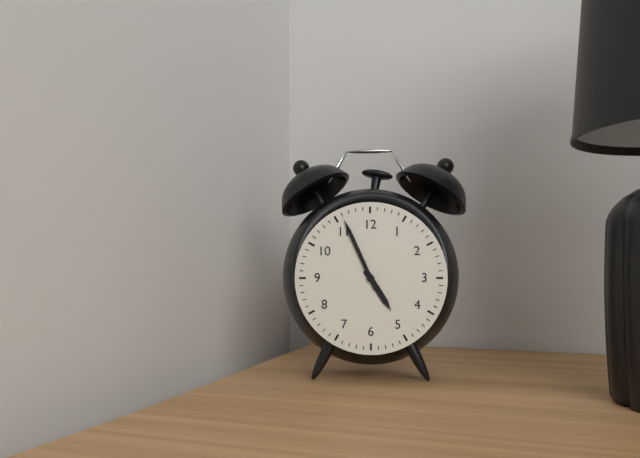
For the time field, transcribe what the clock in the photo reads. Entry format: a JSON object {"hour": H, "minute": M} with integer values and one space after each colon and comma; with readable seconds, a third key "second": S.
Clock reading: {"hour": 4, "minute": 56}
